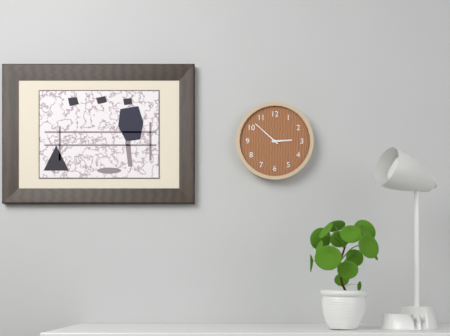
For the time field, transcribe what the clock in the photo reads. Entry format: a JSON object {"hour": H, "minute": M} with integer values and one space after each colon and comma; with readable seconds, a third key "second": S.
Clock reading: {"hour": 2, "minute": 52}
